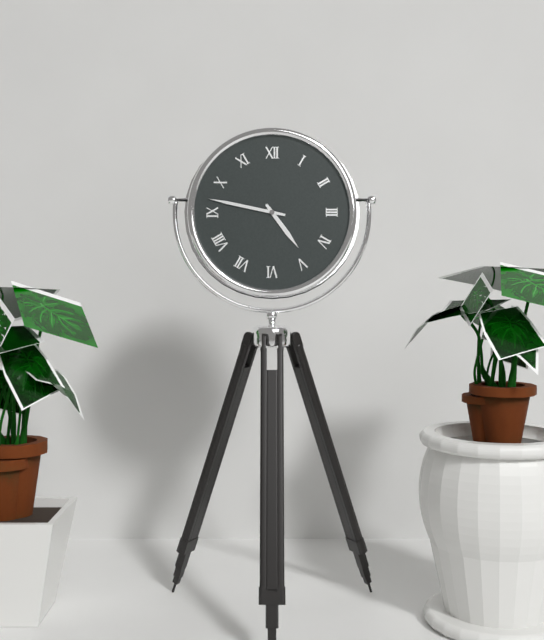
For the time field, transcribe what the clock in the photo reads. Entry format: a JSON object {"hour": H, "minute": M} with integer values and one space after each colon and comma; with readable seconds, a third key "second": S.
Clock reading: {"hour": 4, "minute": 47}
